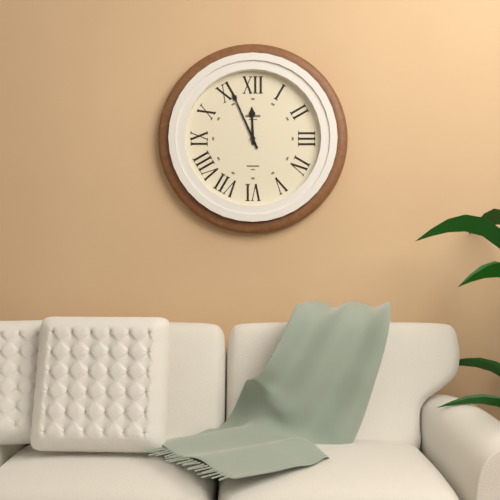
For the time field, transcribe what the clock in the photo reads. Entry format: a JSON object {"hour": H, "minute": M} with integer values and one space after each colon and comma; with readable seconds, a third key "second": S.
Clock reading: {"hour": 11, "minute": 56}
